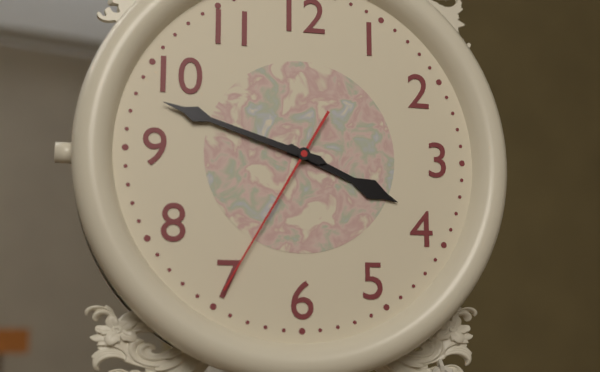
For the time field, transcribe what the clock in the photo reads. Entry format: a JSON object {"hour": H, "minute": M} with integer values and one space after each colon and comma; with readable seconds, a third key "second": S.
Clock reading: {"hour": 3, "minute": 48, "second": 35}
